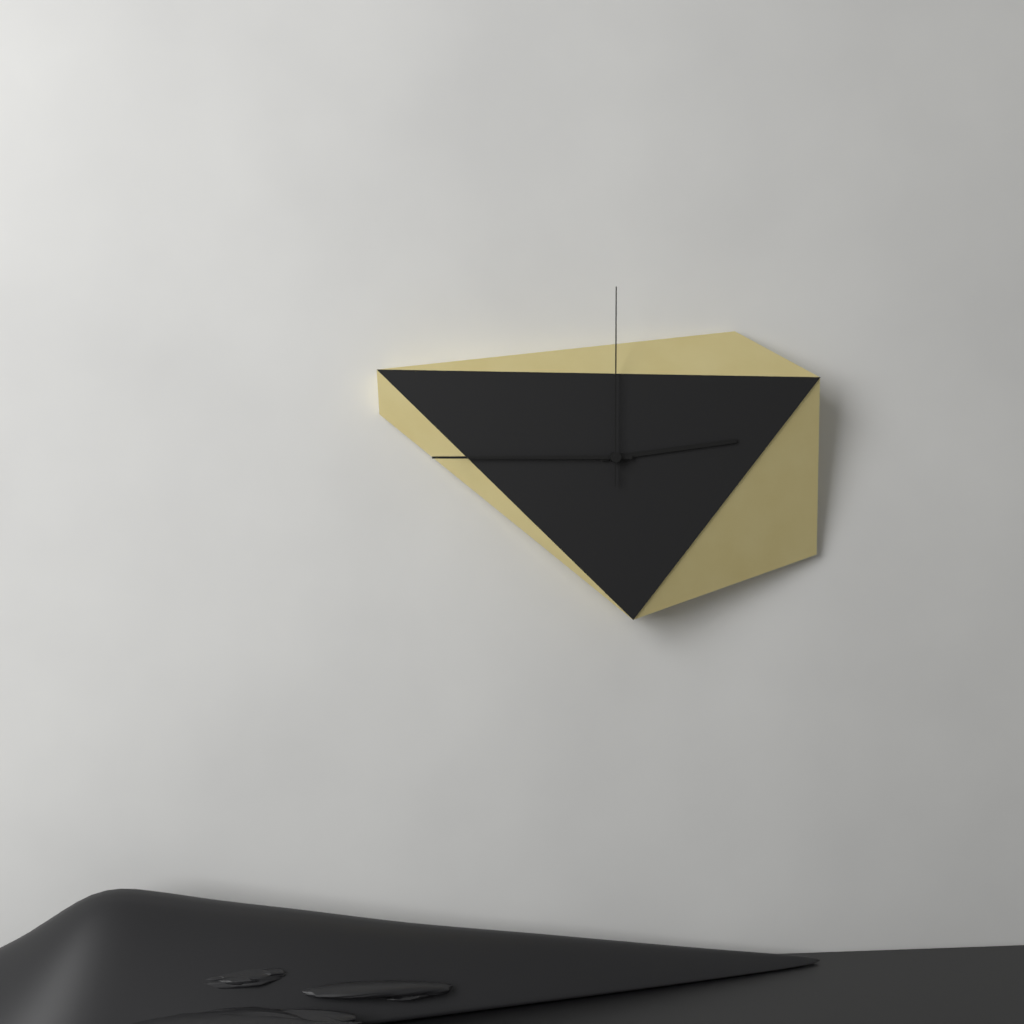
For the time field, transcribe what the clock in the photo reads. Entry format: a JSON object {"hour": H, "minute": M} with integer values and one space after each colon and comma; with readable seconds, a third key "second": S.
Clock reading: {"hour": 2, "minute": 45, "second": 0}
